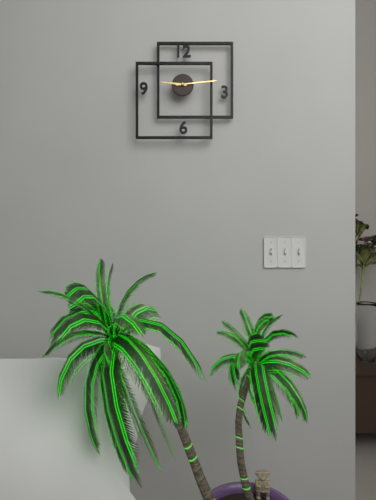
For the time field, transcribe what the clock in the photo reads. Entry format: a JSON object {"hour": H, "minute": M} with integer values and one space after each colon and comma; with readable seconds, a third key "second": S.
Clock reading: {"hour": 9, "minute": 14}
